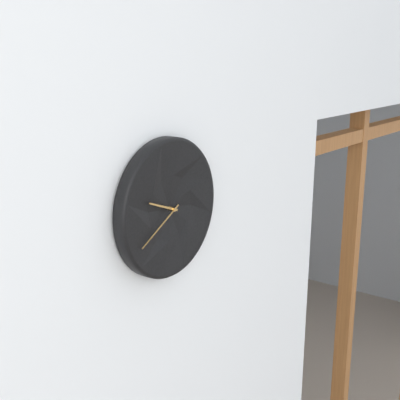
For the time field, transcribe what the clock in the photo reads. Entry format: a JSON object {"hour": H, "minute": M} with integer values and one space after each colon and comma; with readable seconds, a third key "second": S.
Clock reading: {"hour": 9, "minute": 40}
